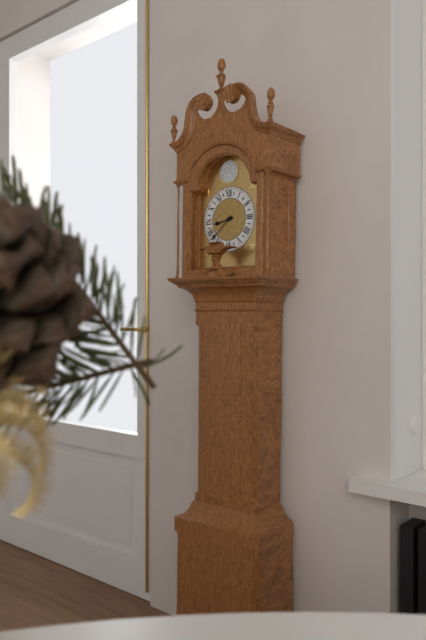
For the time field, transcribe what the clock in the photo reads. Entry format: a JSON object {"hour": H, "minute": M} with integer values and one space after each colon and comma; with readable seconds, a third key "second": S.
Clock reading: {"hour": 8, "minute": 38}
